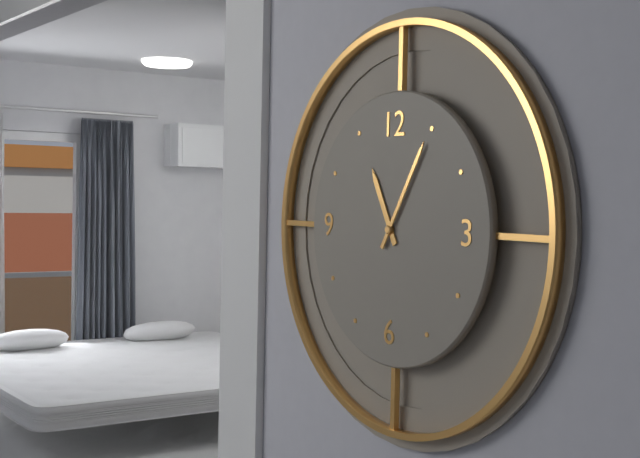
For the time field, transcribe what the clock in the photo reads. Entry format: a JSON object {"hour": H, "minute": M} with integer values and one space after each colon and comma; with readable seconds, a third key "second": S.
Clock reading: {"hour": 11, "minute": 5}
